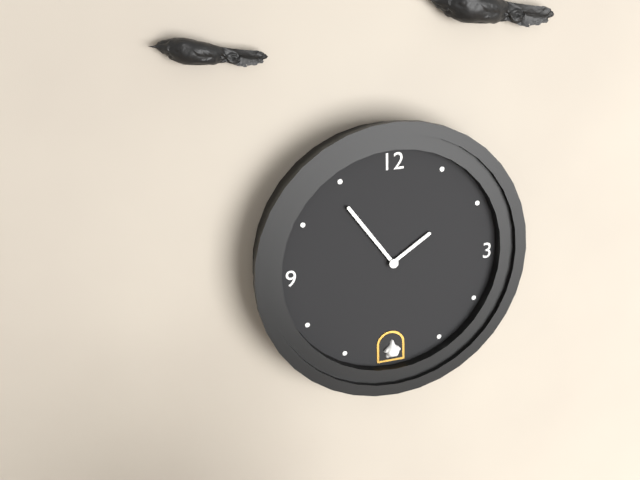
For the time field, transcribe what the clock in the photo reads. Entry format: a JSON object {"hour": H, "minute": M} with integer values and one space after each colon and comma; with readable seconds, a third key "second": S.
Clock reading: {"hour": 1, "minute": 54}
